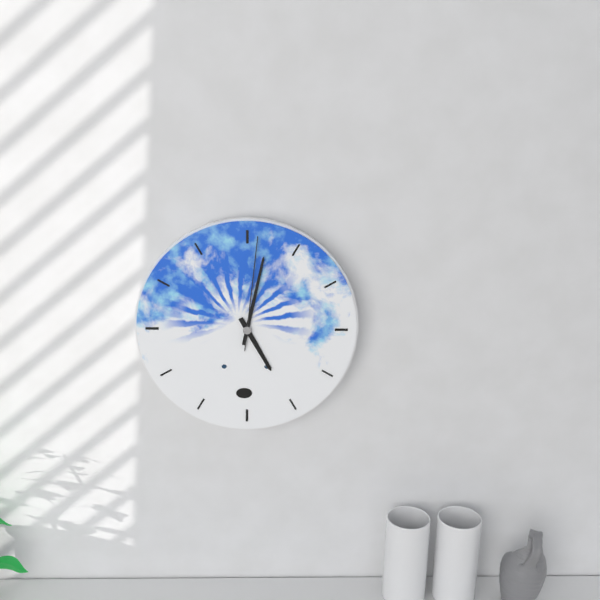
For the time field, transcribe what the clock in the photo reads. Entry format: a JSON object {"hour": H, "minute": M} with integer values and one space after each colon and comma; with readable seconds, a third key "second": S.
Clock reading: {"hour": 5, "minute": 2, "second": 1}
